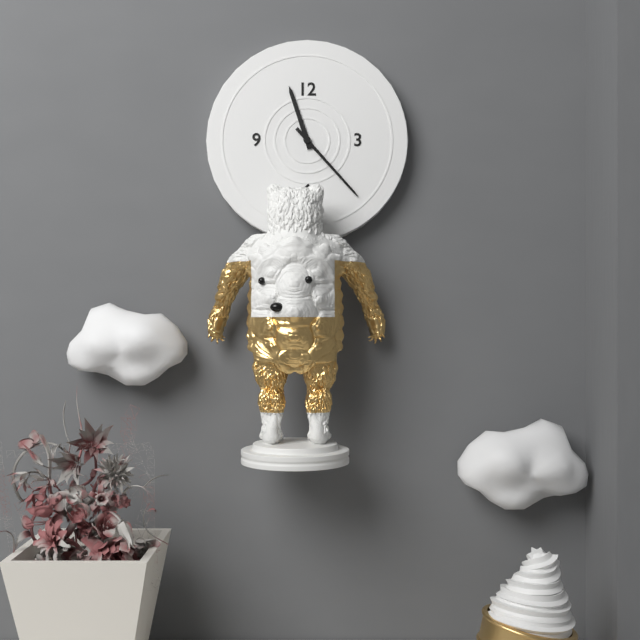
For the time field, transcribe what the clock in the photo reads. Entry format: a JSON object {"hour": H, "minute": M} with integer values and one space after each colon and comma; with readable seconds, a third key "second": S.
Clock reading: {"hour": 11, "minute": 23}
